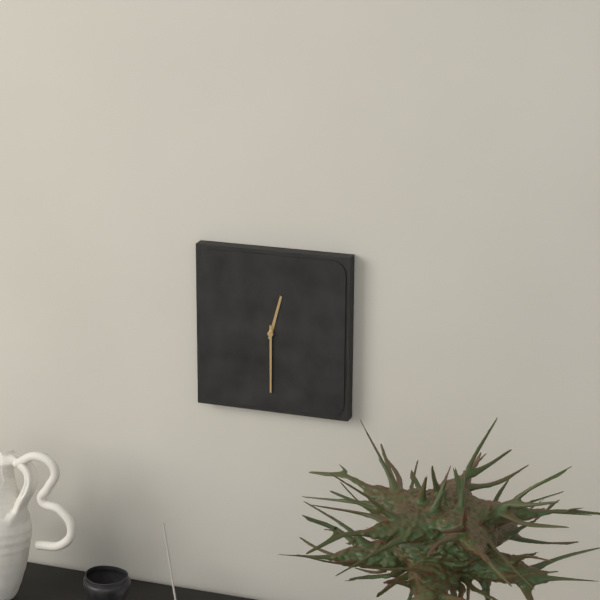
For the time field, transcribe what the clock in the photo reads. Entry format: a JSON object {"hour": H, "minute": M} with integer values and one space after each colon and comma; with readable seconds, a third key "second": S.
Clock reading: {"hour": 12, "minute": 30}
